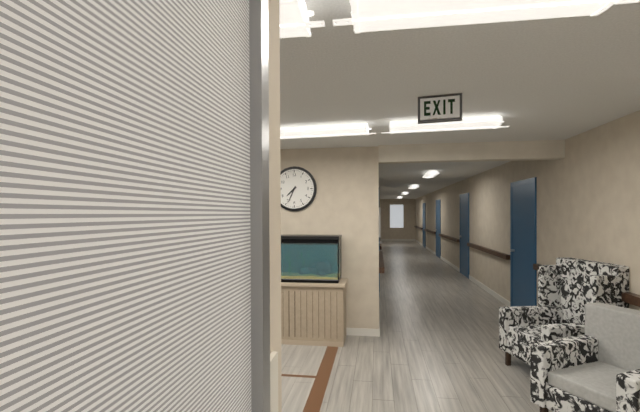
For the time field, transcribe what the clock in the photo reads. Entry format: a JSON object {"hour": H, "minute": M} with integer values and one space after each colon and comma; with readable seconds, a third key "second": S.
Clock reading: {"hour": 7, "minute": 34}
